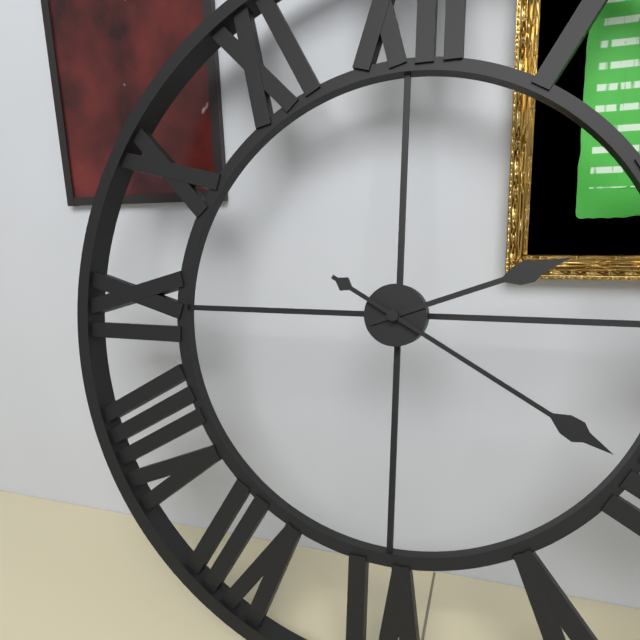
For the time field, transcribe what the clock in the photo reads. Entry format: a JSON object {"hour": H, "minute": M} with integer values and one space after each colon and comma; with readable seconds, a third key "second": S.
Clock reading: {"hour": 2, "minute": 20}
